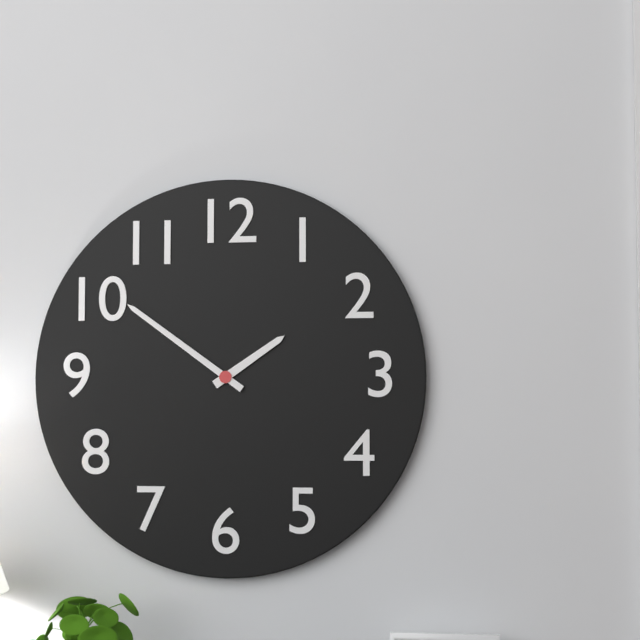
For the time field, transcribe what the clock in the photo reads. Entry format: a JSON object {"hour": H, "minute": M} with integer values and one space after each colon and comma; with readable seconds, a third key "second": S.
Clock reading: {"hour": 1, "minute": 51}
